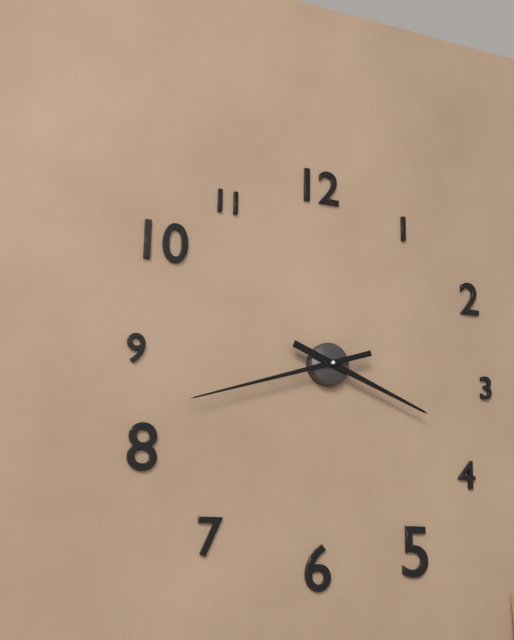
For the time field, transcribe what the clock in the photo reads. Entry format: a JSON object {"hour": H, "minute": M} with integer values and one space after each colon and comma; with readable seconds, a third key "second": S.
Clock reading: {"hour": 3, "minute": 42}
